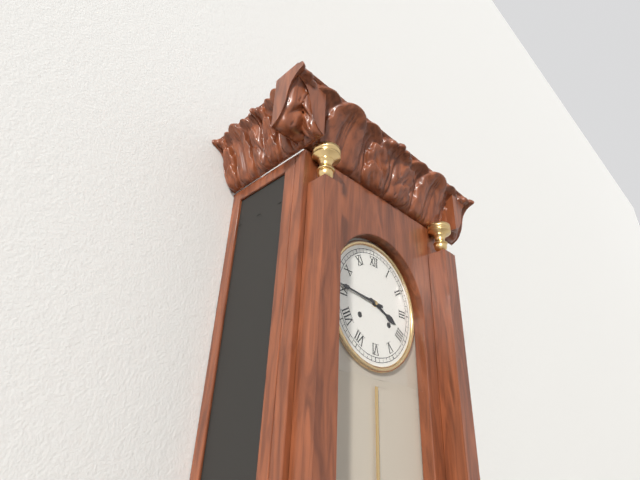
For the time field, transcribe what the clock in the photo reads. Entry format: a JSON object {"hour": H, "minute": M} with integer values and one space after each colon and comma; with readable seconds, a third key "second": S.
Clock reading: {"hour": 3, "minute": 46}
